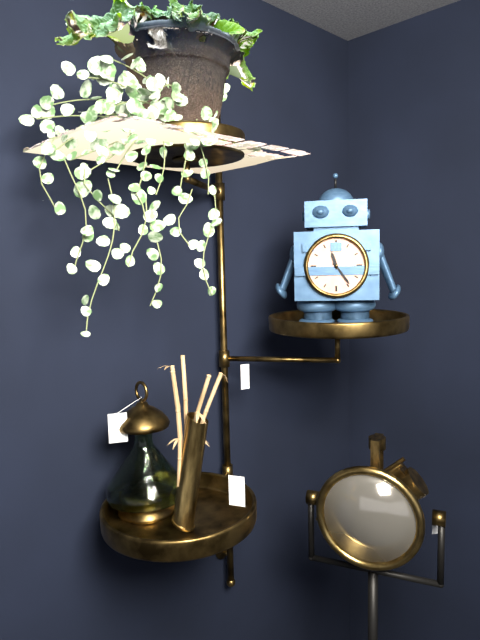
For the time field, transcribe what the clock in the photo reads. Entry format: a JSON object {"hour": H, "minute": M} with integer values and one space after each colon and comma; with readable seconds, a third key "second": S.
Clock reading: {"hour": 11, "minute": 24}
